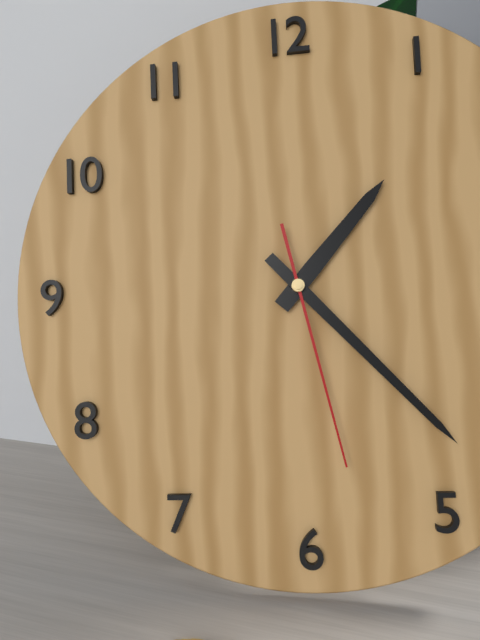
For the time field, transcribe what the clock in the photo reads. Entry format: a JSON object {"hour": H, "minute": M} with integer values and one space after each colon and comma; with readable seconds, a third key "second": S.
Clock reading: {"hour": 1, "minute": 23, "second": 28}
